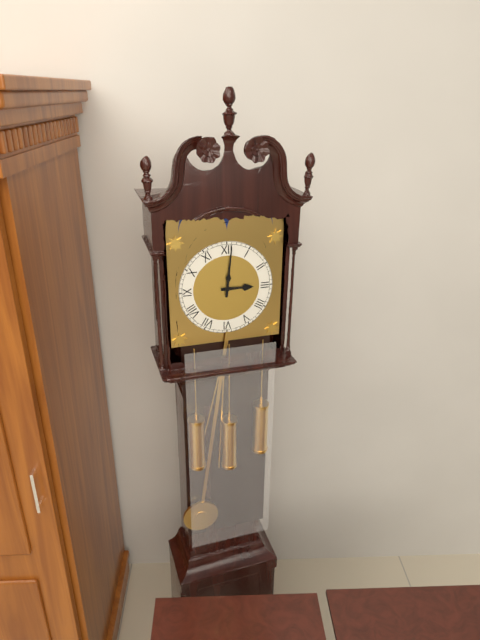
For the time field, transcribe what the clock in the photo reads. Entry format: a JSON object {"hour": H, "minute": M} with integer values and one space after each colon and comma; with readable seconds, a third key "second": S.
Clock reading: {"hour": 3, "minute": 1}
